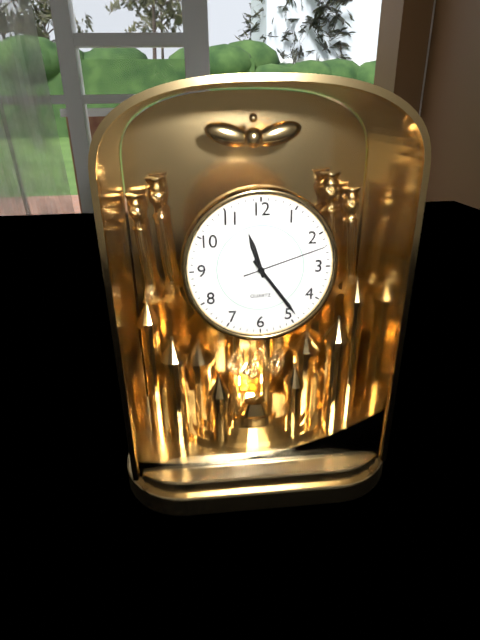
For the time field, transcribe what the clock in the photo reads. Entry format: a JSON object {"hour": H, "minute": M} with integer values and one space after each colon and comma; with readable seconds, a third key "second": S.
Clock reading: {"hour": 11, "minute": 24, "second": 12}
